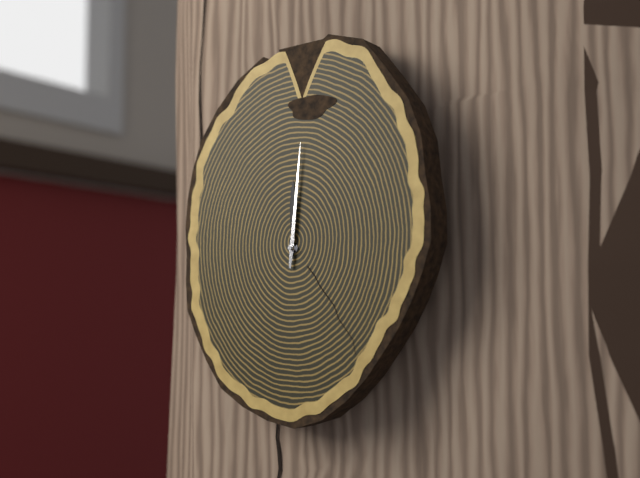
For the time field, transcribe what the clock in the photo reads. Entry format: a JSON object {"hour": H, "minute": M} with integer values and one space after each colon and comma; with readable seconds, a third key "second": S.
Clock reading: {"hour": 12, "minute": 1}
